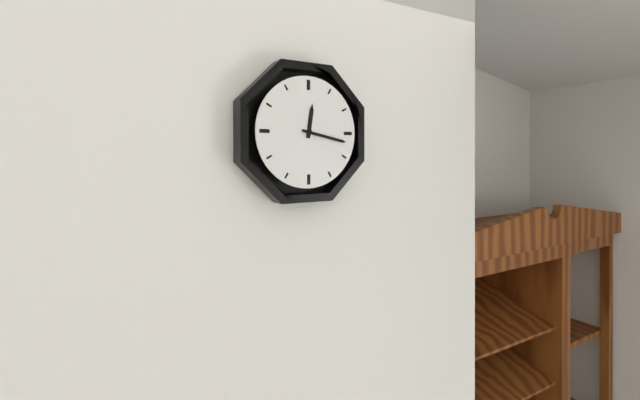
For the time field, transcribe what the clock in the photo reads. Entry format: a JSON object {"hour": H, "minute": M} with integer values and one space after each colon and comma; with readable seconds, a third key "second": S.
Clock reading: {"hour": 12, "minute": 17}
